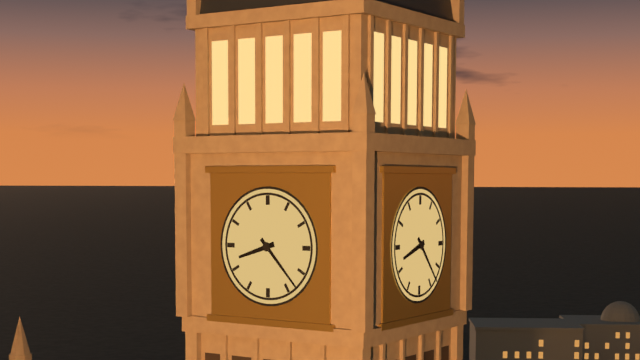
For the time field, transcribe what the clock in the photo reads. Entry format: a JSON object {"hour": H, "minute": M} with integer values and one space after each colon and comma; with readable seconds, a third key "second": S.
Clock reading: {"hour": 8, "minute": 23}
